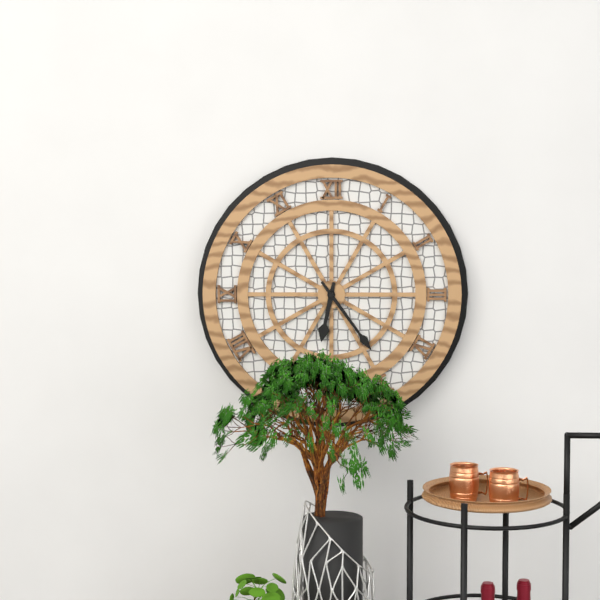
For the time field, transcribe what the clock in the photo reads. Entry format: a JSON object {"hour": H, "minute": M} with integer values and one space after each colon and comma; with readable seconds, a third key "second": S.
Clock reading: {"hour": 6, "minute": 24}
